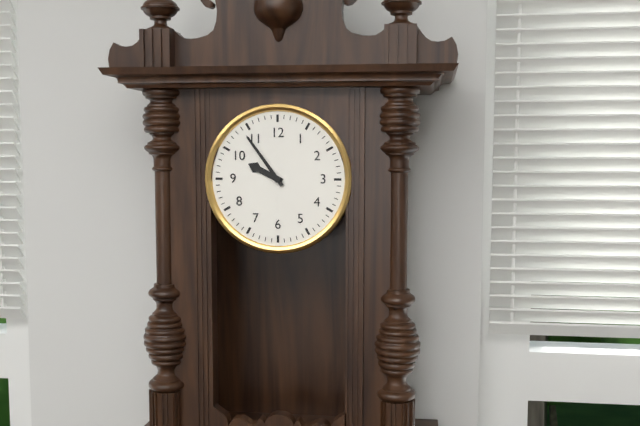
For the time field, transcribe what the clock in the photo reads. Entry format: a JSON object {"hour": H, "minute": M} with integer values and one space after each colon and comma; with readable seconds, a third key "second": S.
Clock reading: {"hour": 9, "minute": 54}
